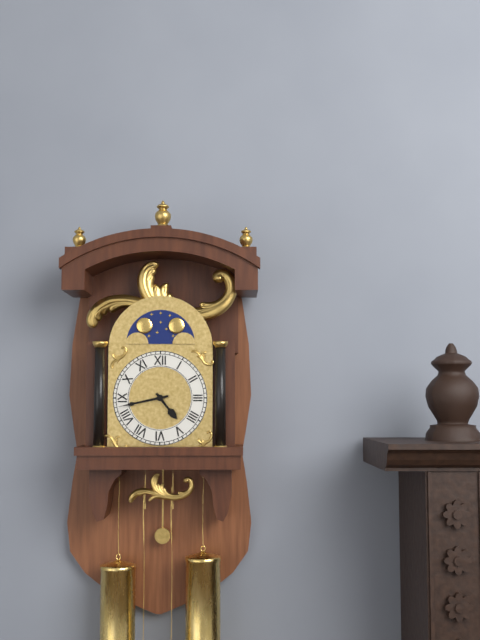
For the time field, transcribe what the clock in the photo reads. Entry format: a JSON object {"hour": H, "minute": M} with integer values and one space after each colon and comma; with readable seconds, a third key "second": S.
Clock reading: {"hour": 4, "minute": 43}
